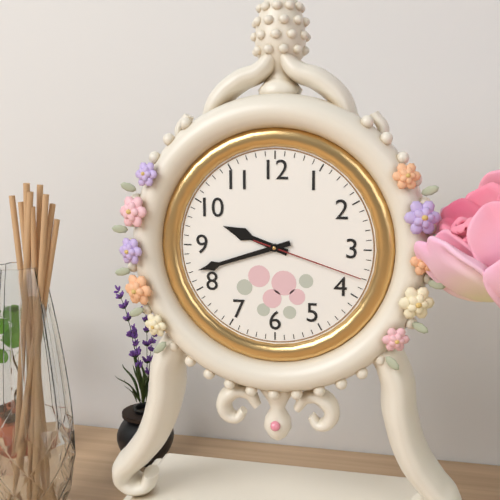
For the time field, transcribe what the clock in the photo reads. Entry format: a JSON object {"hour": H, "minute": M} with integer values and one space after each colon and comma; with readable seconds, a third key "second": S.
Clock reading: {"hour": 9, "minute": 42, "second": 18}
